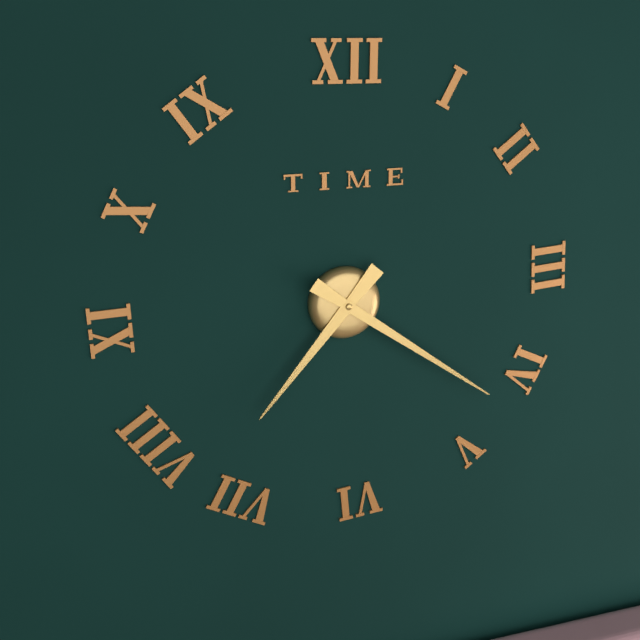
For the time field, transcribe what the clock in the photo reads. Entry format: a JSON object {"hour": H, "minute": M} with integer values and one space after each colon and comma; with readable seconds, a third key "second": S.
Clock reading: {"hour": 7, "minute": 21}
